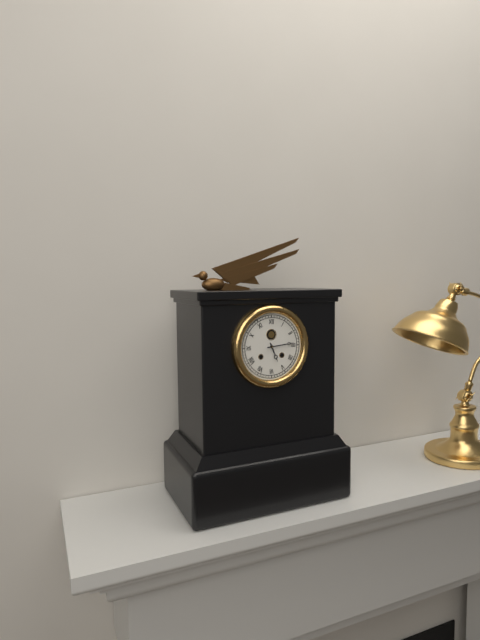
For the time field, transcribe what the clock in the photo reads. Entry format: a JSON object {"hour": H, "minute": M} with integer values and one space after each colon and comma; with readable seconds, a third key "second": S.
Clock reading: {"hour": 5, "minute": 14}
